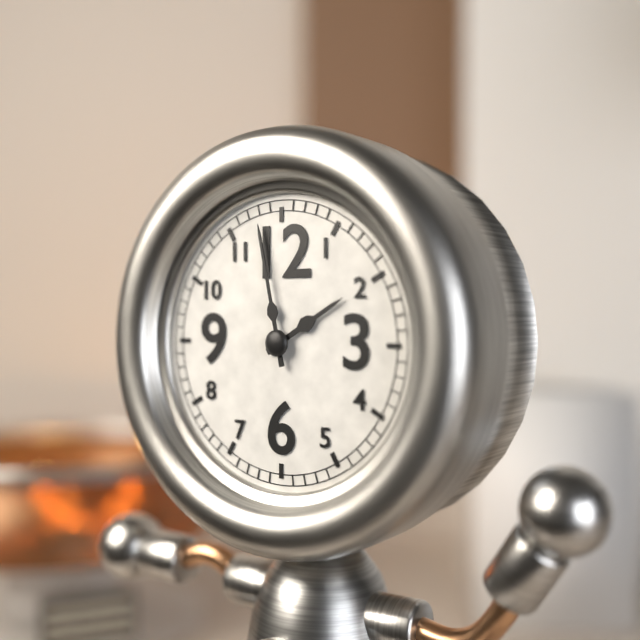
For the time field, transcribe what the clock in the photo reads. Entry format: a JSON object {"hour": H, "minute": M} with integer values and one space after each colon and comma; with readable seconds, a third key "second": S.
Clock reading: {"hour": 1, "minute": 58}
